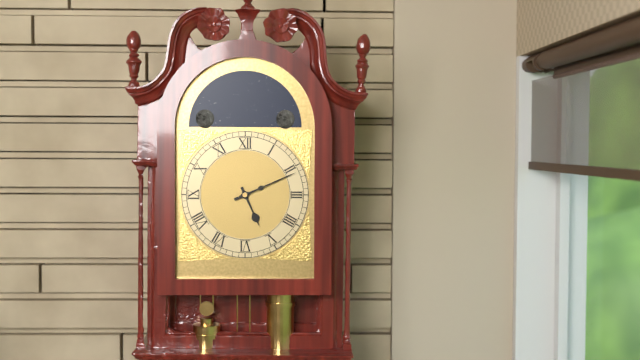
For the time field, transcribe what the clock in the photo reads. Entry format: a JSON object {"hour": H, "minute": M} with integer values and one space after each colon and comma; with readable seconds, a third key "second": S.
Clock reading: {"hour": 5, "minute": 11}
